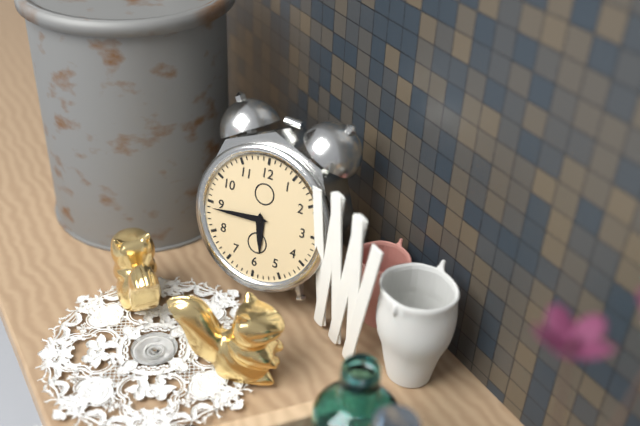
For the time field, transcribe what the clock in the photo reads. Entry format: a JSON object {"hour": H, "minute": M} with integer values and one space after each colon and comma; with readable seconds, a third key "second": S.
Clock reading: {"hour": 5, "minute": 44}
